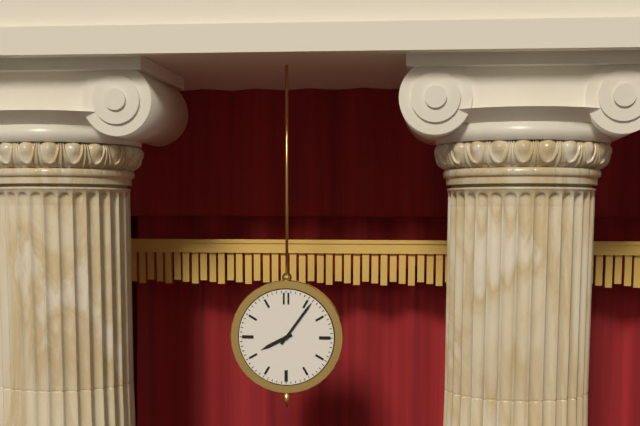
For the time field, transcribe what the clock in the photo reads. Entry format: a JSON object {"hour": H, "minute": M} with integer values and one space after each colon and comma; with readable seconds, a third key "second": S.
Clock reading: {"hour": 8, "minute": 6}
